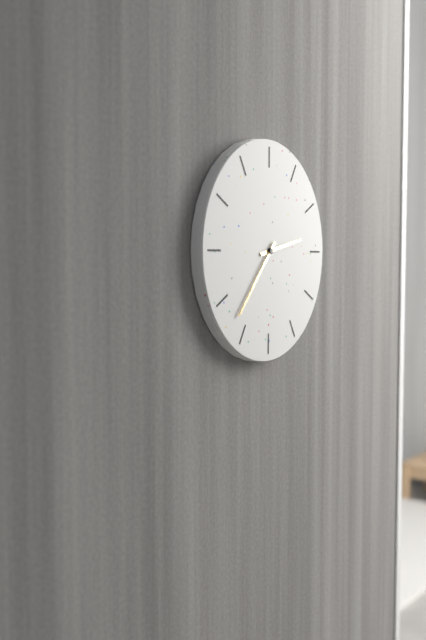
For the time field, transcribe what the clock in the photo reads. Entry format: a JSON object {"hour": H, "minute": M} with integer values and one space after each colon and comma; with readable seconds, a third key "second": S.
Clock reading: {"hour": 2, "minute": 37}
